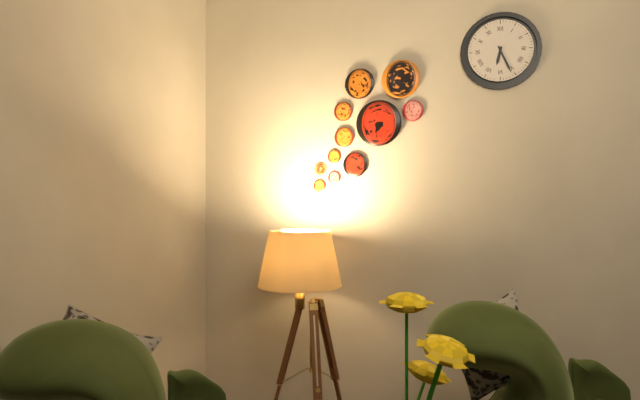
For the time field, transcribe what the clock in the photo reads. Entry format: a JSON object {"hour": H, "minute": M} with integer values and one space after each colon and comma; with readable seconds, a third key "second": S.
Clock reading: {"hour": 6, "minute": 26}
